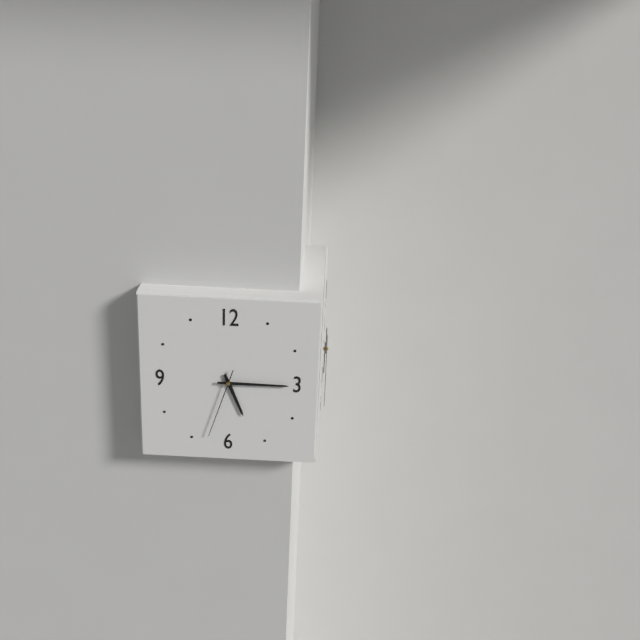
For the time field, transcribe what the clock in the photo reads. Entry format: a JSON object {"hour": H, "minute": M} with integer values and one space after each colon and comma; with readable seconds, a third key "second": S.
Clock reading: {"hour": 5, "minute": 15, "second": 33}
